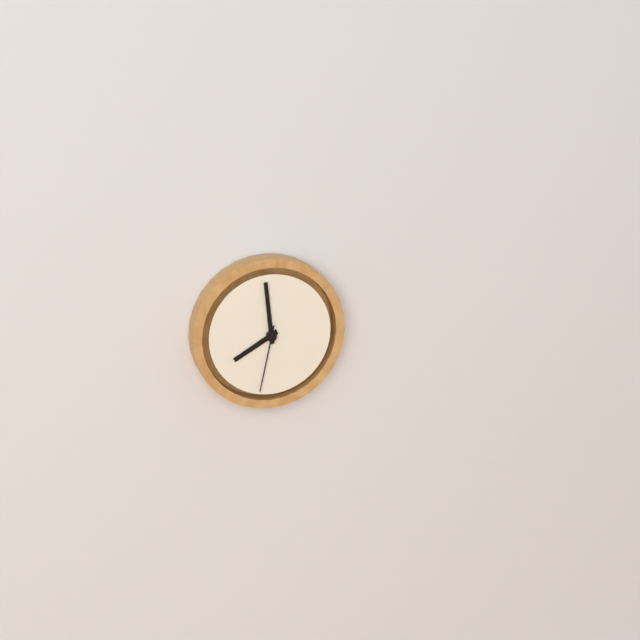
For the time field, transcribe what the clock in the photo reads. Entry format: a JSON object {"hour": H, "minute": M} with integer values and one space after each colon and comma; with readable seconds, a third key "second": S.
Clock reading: {"hour": 7, "minute": 59, "second": 32}
